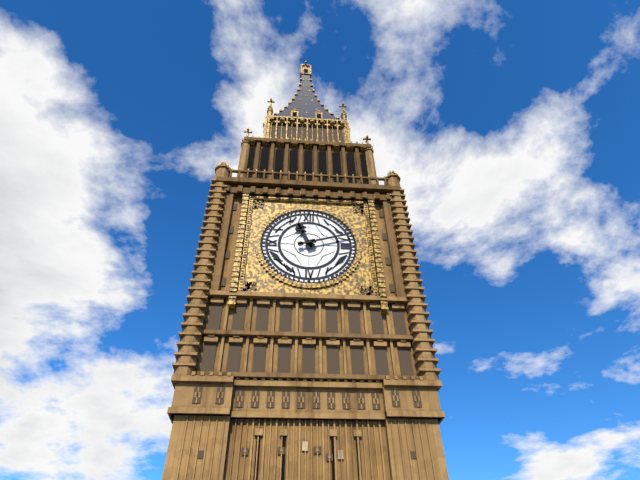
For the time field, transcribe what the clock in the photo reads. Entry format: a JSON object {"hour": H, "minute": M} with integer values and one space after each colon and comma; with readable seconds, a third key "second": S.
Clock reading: {"hour": 11, "minute": 12}
